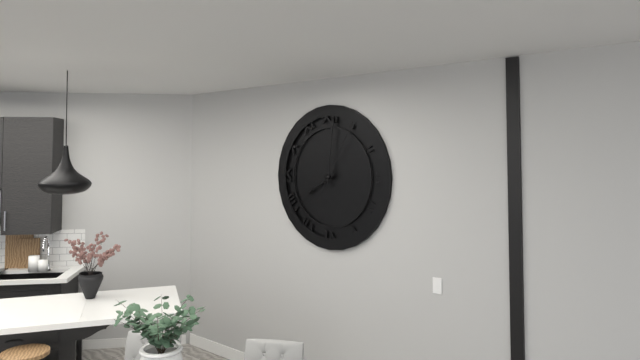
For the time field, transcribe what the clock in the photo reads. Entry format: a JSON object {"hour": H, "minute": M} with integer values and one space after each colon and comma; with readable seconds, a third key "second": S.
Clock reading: {"hour": 8, "minute": 1, "second": 5}
